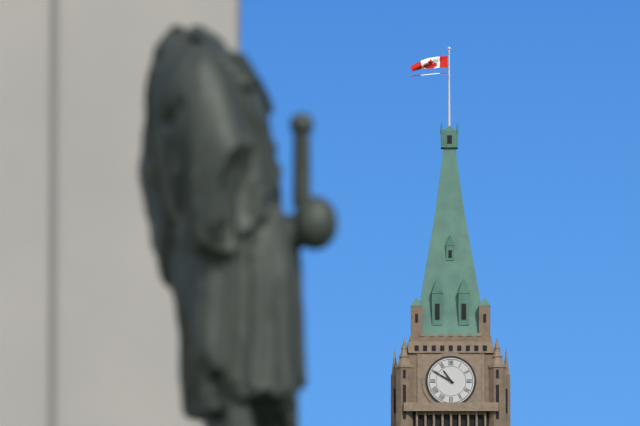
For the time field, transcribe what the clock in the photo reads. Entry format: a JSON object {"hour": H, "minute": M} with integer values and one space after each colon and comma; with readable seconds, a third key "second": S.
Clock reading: {"hour": 10, "minute": 50}
